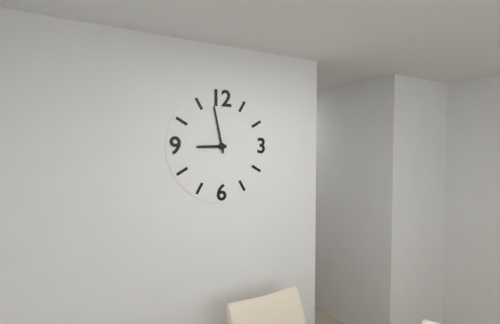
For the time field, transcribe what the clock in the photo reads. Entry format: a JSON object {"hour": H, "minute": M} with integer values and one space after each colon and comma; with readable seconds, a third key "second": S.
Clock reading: {"hour": 8, "minute": 58}
